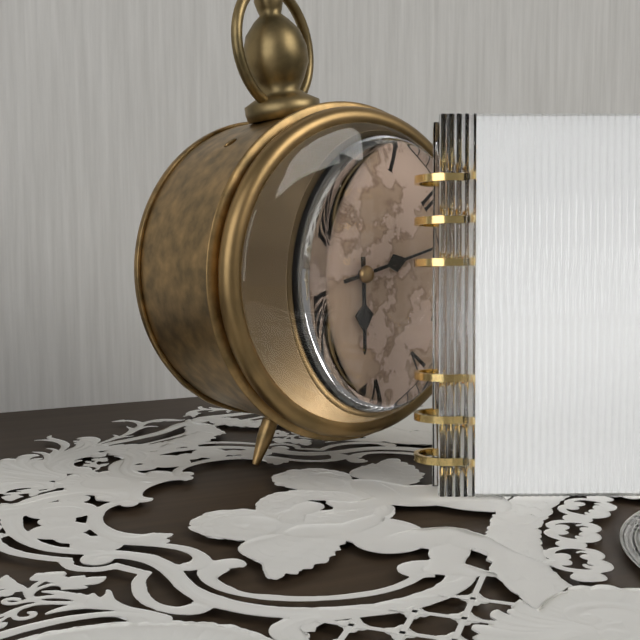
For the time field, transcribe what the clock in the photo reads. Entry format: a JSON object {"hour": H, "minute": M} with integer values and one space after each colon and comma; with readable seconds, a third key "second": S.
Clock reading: {"hour": 6, "minute": 14}
